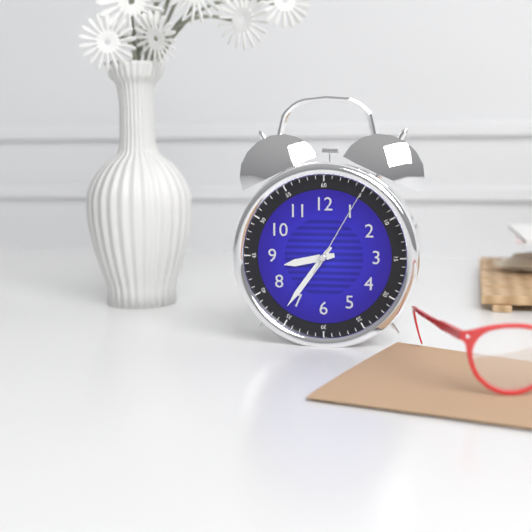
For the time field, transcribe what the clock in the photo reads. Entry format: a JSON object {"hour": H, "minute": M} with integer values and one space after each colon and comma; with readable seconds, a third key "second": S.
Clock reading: {"hour": 8, "minute": 36, "second": 5}
